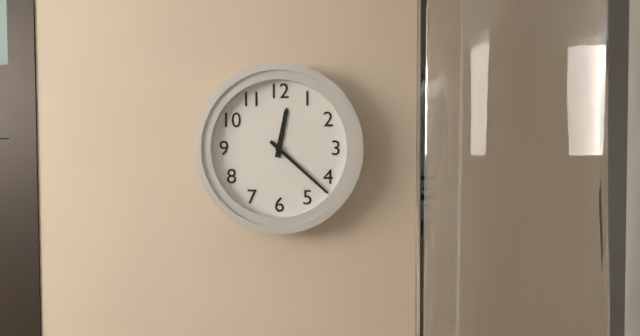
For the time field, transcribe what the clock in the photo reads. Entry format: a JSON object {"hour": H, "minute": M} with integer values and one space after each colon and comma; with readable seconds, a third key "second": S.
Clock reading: {"hour": 12, "minute": 22}
